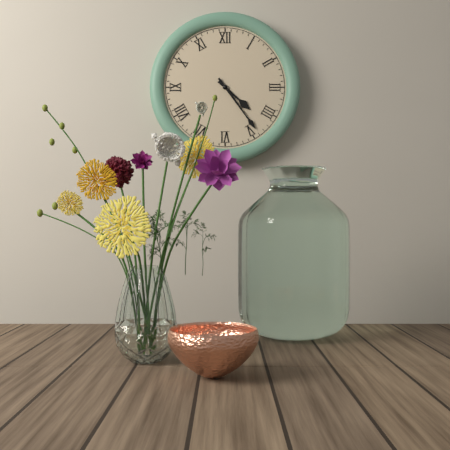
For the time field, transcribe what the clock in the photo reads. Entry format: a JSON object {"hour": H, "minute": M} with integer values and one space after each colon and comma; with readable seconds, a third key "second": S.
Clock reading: {"hour": 4, "minute": 24}
